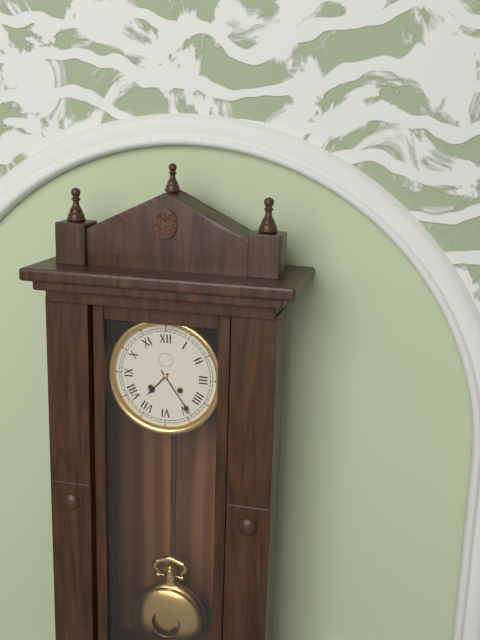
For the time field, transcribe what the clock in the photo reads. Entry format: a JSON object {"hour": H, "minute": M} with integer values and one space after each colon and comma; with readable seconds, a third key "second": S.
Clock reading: {"hour": 7, "minute": 24}
